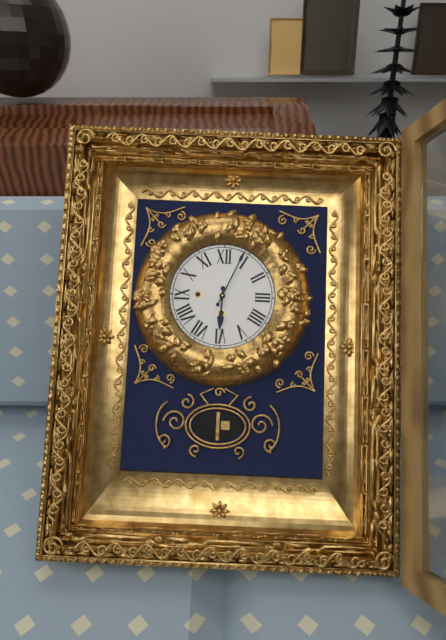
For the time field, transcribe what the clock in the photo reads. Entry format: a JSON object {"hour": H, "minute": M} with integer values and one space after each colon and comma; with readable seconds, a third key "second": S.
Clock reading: {"hour": 6, "minute": 4}
